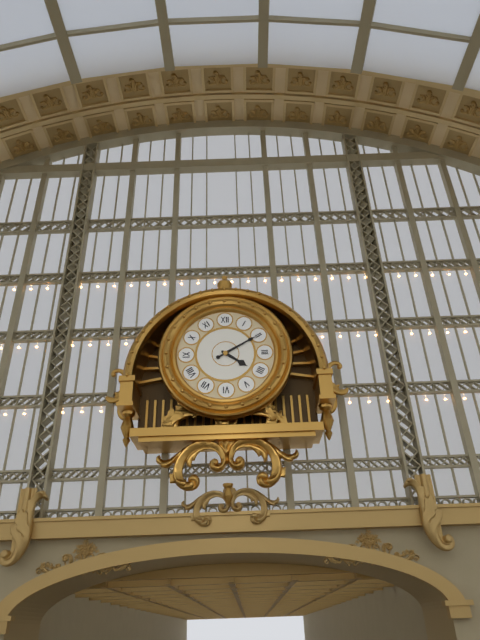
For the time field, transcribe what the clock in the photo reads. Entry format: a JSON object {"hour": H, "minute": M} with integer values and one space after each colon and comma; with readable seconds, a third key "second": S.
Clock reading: {"hour": 4, "minute": 10}
